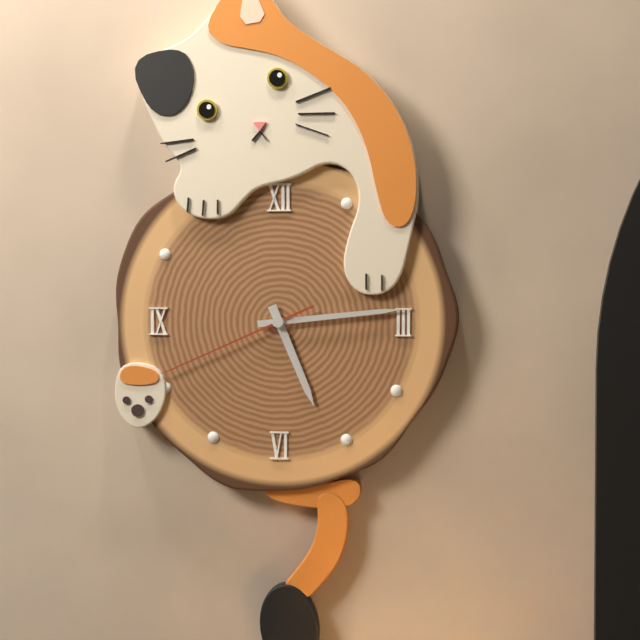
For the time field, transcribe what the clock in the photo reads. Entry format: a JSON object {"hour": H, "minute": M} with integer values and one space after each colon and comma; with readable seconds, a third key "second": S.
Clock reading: {"hour": 5, "minute": 14, "second": 41}
